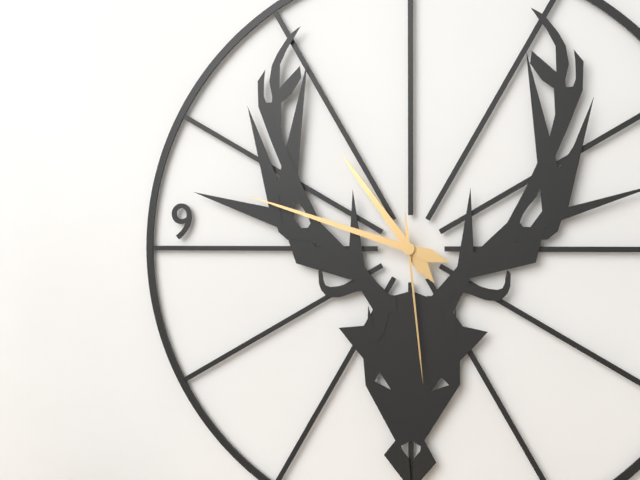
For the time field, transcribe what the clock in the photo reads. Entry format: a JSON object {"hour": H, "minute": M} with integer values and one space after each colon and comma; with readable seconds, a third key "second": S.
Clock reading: {"hour": 10, "minute": 48, "second": 29}
